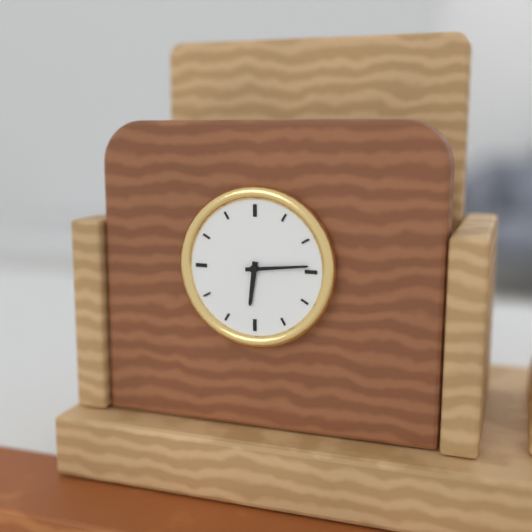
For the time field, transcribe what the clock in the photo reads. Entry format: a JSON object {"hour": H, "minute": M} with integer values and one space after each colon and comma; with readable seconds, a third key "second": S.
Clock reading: {"hour": 6, "minute": 14}
